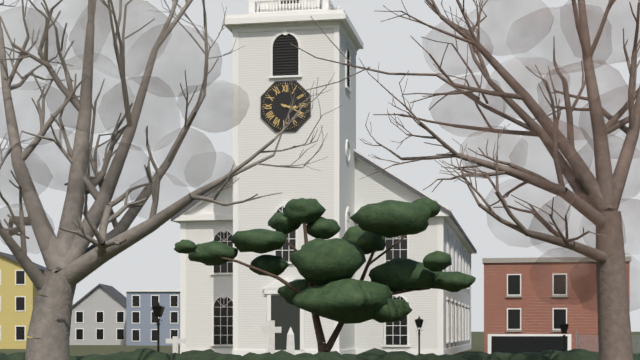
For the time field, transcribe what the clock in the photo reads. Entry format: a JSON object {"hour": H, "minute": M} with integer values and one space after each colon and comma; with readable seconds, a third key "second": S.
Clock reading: {"hour": 3, "minute": 19}
